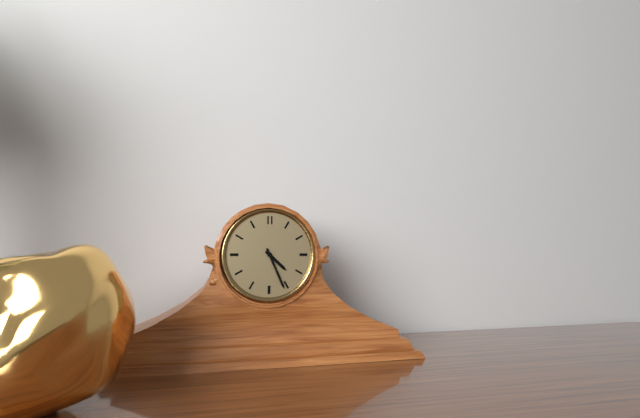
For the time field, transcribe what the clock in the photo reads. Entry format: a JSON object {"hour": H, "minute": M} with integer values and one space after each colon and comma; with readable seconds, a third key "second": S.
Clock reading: {"hour": 4, "minute": 26}
